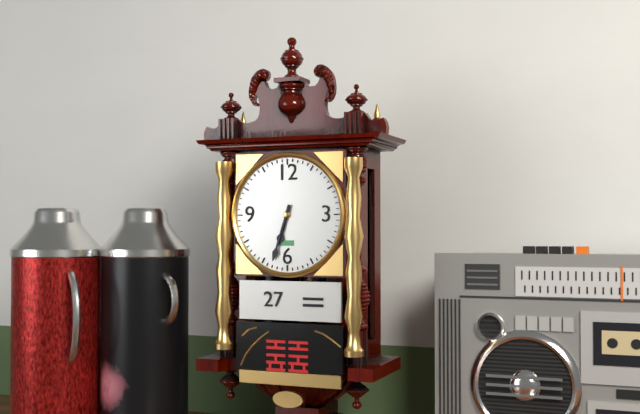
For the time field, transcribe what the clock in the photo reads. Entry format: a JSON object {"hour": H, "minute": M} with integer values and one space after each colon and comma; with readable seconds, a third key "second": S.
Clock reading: {"hour": 6, "minute": 33}
